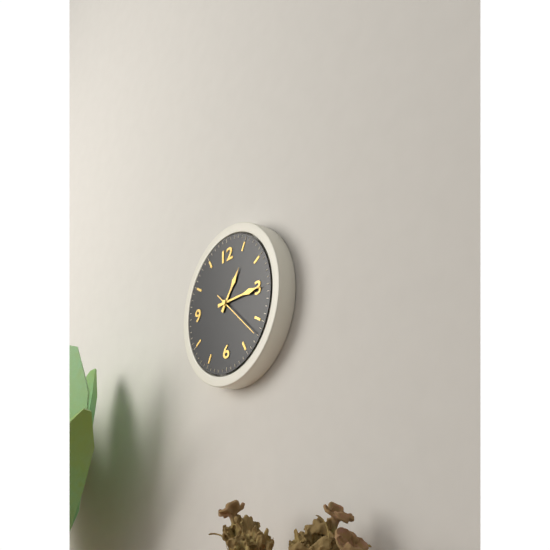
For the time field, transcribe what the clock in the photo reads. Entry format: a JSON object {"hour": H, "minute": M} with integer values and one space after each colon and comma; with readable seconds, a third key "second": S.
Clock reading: {"hour": 1, "minute": 15, "second": 22}
